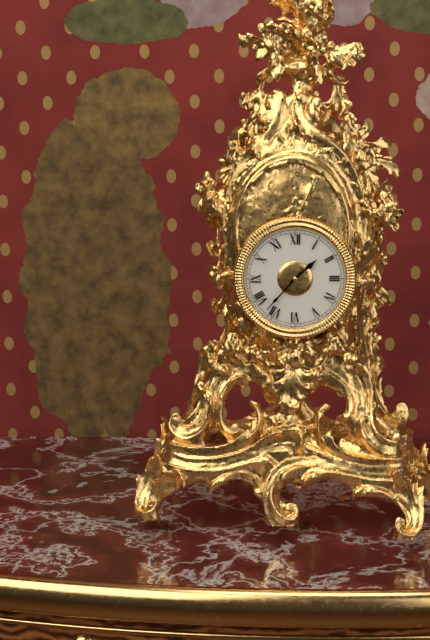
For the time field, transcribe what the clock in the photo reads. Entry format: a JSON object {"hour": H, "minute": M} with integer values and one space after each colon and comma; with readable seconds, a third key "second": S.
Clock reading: {"hour": 1, "minute": 37}
